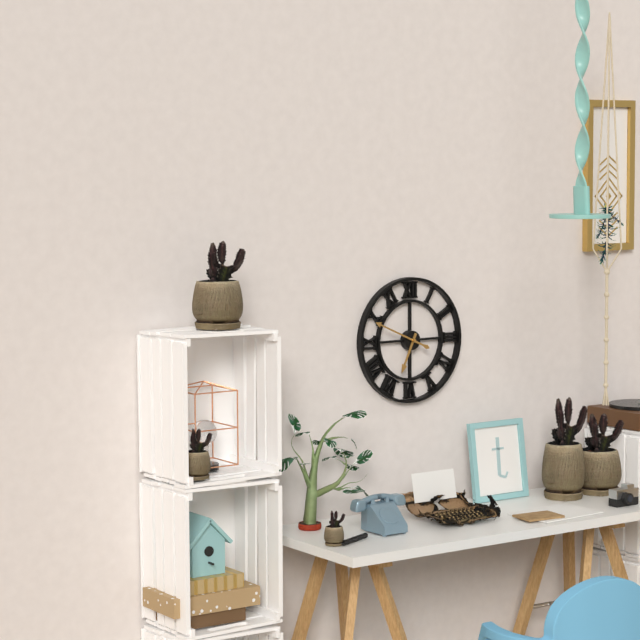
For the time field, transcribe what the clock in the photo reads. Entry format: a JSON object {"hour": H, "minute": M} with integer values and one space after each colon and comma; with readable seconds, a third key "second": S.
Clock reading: {"hour": 6, "minute": 49}
